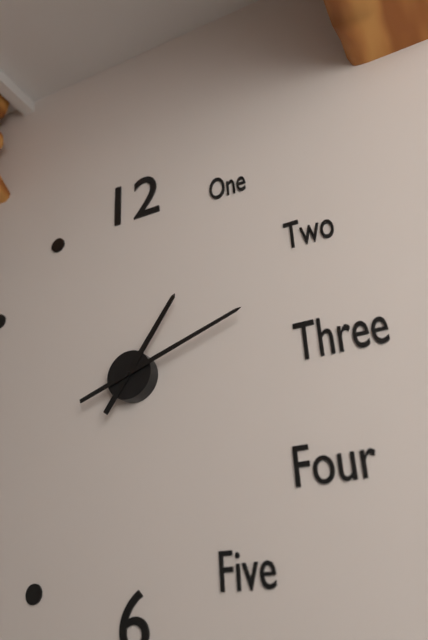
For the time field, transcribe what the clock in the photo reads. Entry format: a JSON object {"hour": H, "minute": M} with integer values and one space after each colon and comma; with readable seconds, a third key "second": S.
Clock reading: {"hour": 1, "minute": 12}
